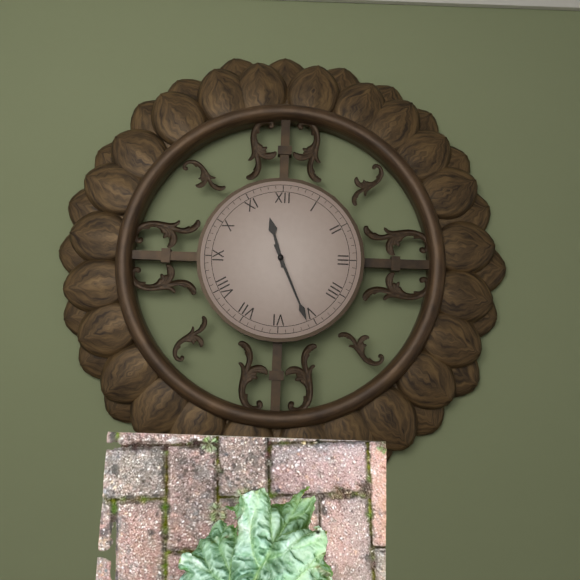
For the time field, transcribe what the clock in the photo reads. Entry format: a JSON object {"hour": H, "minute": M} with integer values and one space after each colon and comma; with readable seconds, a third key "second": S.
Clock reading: {"hour": 11, "minute": 26}
